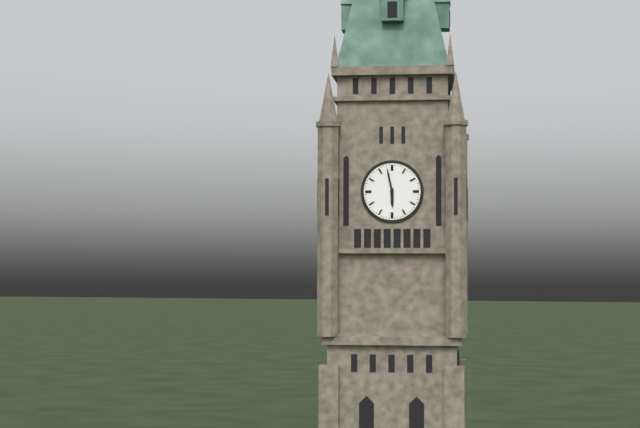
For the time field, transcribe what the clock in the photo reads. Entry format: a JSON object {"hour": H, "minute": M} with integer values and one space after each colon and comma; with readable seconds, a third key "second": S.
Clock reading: {"hour": 5, "minute": 58}
